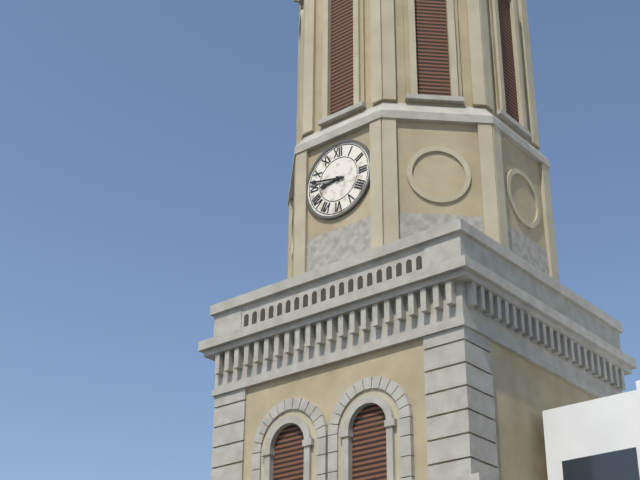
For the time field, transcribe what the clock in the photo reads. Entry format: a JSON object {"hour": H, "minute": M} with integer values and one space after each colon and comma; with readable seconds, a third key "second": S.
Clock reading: {"hour": 8, "minute": 47}
